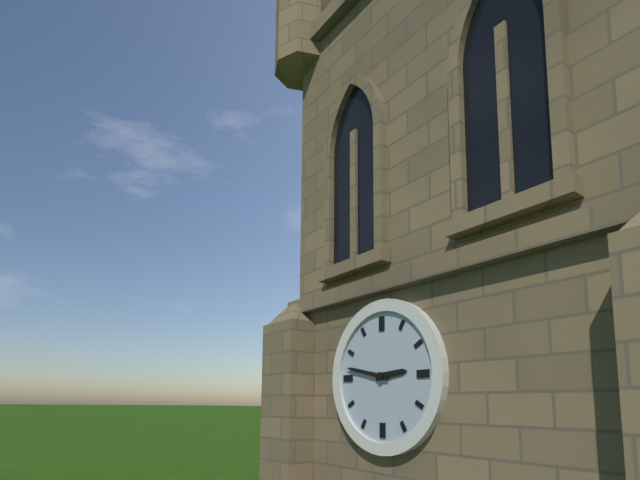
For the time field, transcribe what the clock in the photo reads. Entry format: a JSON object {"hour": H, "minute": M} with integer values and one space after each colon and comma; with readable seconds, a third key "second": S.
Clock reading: {"hour": 2, "minute": 47}
